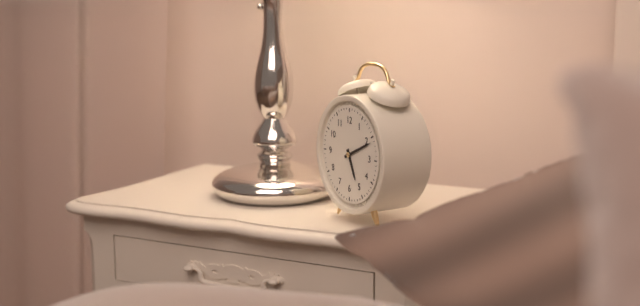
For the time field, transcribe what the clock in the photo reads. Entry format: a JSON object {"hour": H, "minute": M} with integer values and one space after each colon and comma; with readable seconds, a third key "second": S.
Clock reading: {"hour": 5, "minute": 11}
